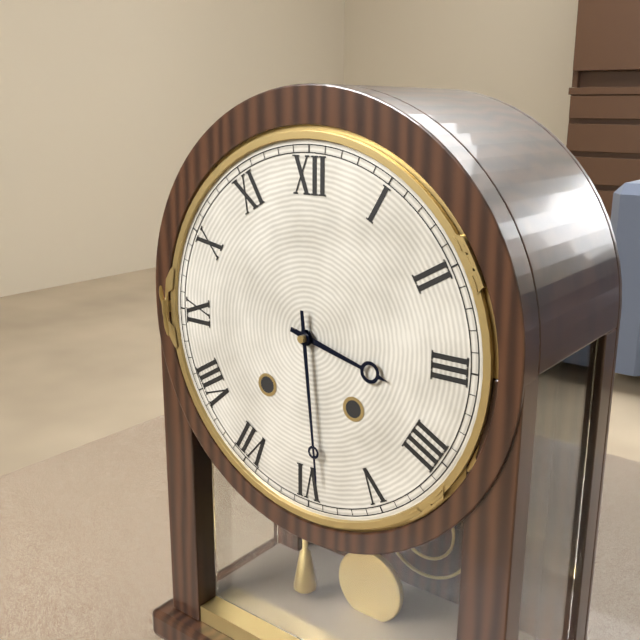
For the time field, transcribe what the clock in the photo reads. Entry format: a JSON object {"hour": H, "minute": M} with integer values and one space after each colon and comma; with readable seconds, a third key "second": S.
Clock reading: {"hour": 3, "minute": 29}
